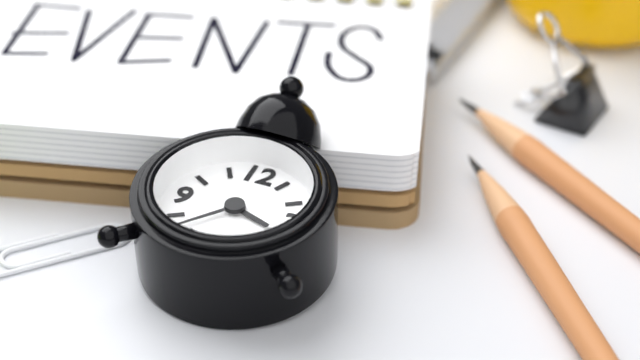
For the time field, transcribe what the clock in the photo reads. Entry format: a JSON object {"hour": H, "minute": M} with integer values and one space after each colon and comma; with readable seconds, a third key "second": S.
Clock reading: {"hour": 3, "minute": 37}
